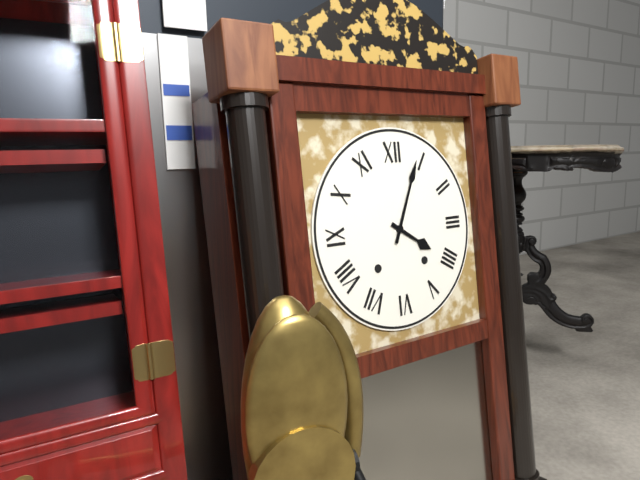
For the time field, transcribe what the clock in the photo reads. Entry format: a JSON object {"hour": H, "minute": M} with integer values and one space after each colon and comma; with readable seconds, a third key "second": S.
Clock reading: {"hour": 4, "minute": 4}
